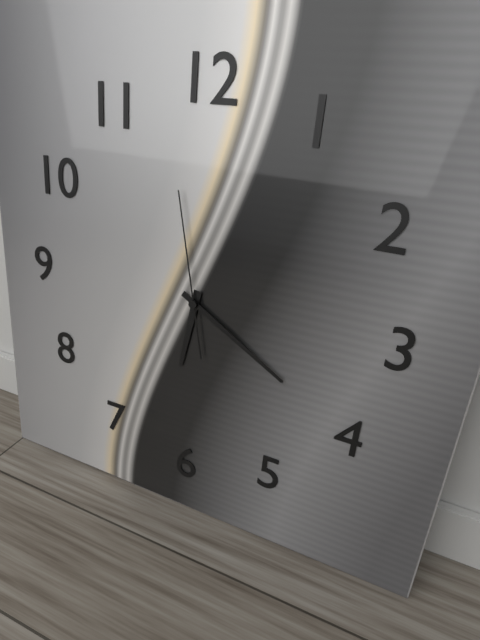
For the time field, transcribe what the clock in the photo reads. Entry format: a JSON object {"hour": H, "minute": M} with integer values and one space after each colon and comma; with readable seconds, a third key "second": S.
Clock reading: {"hour": 6, "minute": 20, "second": 58}
